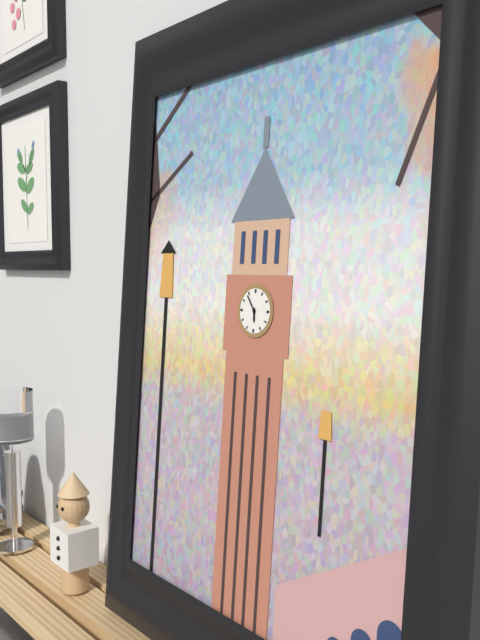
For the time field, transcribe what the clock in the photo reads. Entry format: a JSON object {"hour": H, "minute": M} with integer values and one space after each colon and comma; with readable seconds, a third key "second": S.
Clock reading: {"hour": 5, "minute": 54}
